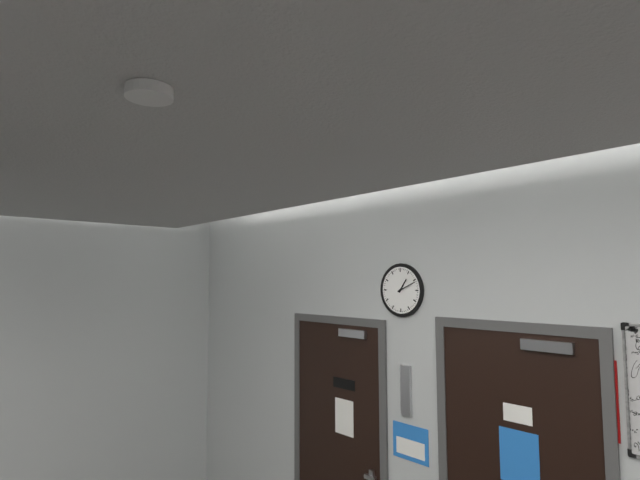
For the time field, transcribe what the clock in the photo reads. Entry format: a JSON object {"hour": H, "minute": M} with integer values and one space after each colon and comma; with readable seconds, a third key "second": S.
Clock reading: {"hour": 1, "minute": 11}
